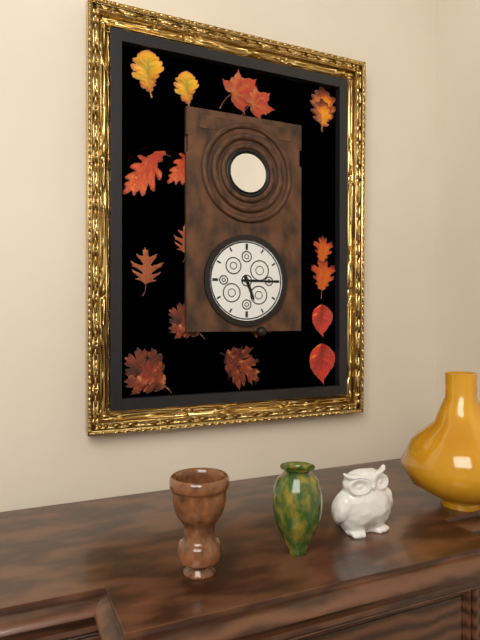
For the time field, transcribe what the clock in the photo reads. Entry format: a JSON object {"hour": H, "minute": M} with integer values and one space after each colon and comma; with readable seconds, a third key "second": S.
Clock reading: {"hour": 5, "minute": 15}
